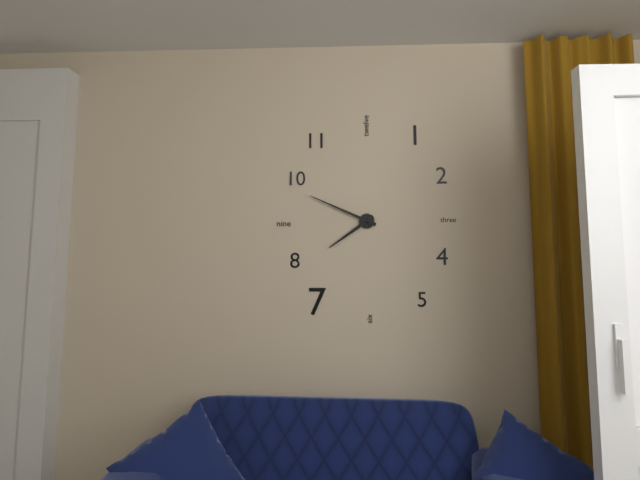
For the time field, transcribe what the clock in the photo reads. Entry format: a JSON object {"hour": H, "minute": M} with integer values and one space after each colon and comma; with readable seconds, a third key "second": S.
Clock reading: {"hour": 7, "minute": 49}
